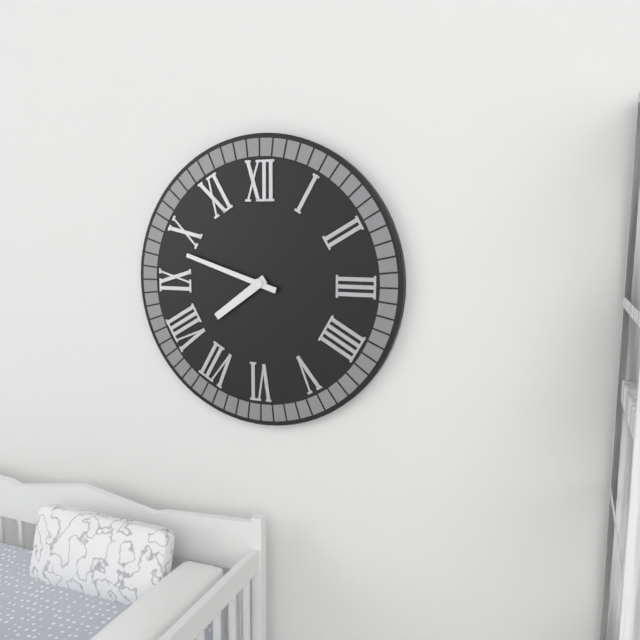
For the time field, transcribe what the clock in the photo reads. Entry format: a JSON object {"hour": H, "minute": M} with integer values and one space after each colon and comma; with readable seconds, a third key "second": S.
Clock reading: {"hour": 7, "minute": 48}
